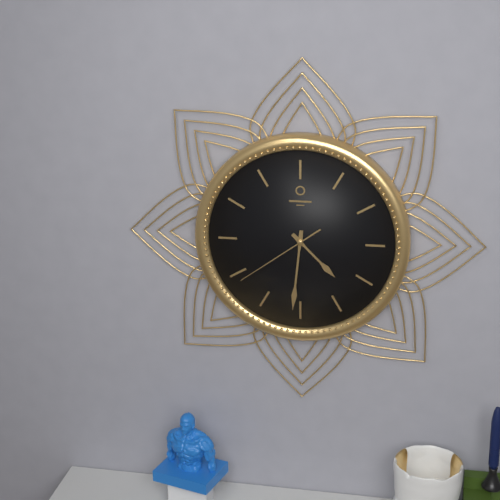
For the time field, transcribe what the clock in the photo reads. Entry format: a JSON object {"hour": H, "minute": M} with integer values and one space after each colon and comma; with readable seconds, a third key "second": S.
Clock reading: {"hour": 4, "minute": 31, "second": 39}
